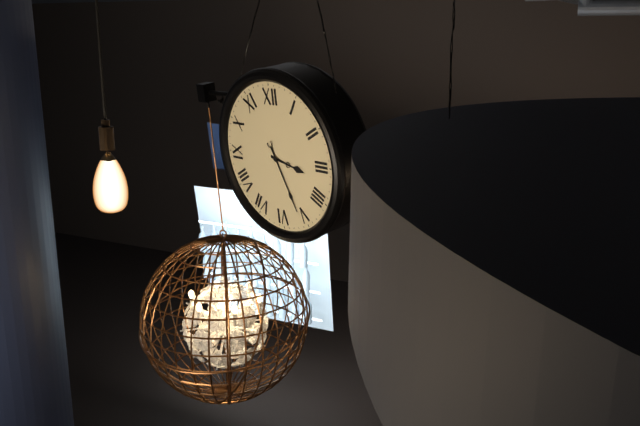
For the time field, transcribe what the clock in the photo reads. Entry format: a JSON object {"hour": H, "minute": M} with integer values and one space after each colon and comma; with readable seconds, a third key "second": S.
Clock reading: {"hour": 3, "minute": 26}
